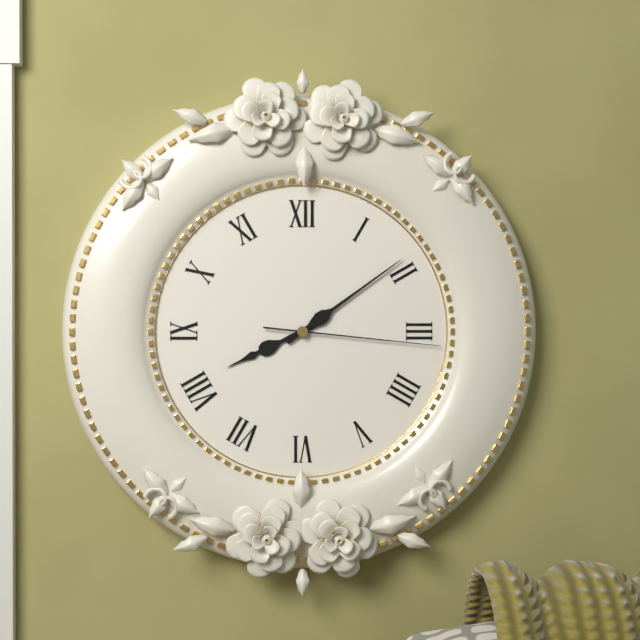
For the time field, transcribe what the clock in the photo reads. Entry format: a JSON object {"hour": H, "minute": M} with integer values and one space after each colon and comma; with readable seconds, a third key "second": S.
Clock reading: {"hour": 8, "minute": 9, "second": 16}
